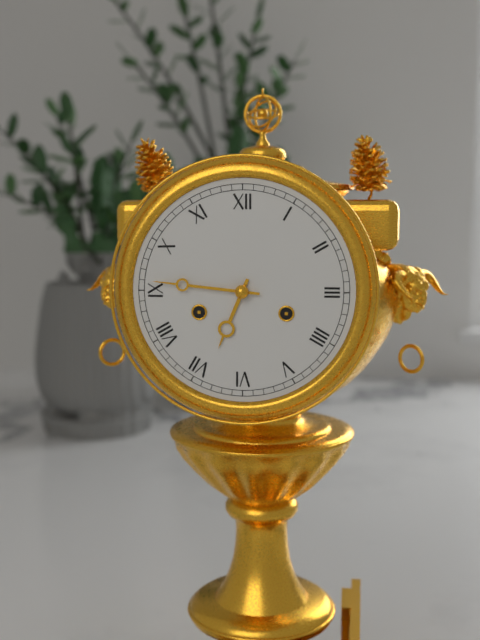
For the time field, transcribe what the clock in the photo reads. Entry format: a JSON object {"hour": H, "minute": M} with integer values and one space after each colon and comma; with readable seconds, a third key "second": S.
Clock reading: {"hour": 6, "minute": 46}
